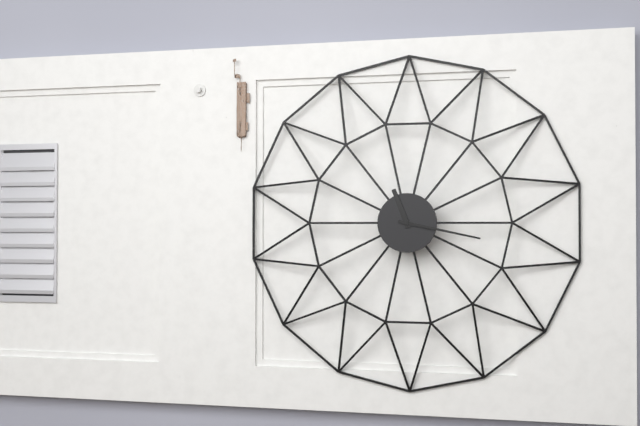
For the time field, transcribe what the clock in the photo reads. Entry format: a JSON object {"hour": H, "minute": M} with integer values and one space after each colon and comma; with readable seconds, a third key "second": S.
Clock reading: {"hour": 11, "minute": 17}
